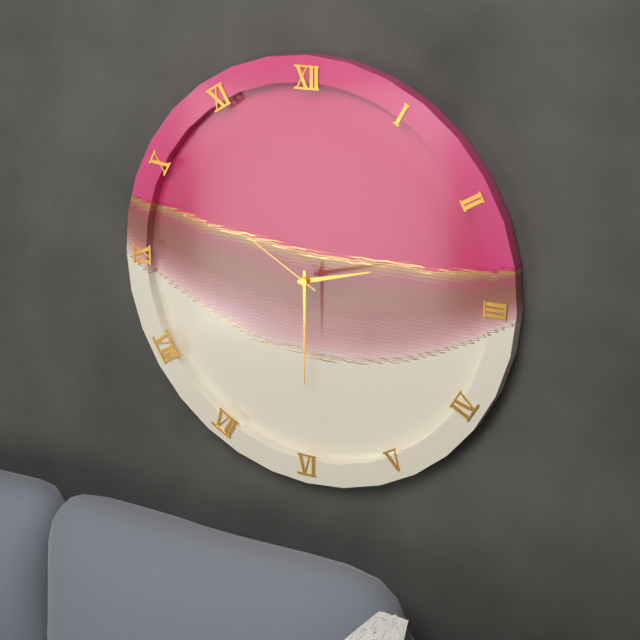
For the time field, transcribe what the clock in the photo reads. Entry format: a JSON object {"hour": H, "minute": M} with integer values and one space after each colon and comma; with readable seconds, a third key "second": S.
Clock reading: {"hour": 2, "minute": 30, "second": 50}
